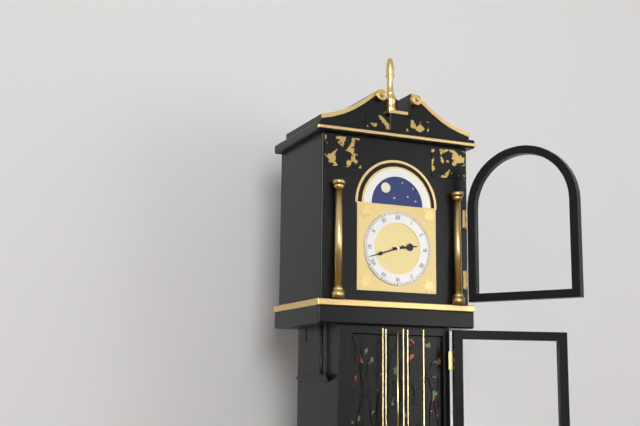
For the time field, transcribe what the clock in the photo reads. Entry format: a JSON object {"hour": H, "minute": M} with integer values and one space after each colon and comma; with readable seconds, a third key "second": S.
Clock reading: {"hour": 2, "minute": 42}
